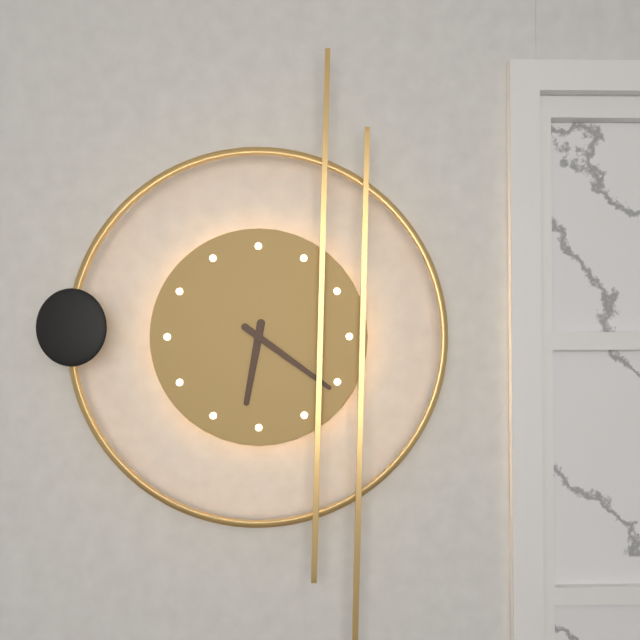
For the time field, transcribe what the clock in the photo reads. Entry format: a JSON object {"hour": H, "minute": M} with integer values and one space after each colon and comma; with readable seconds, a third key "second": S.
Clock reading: {"hour": 6, "minute": 21}
